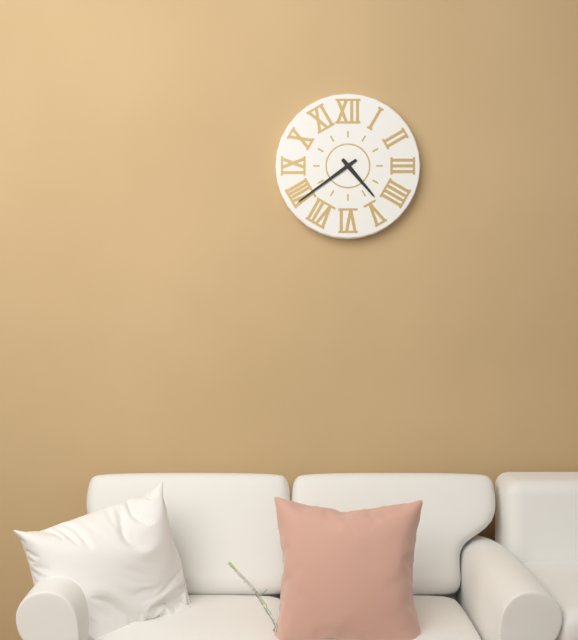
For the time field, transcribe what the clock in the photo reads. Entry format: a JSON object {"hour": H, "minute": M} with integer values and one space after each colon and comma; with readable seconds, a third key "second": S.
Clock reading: {"hour": 4, "minute": 39}
